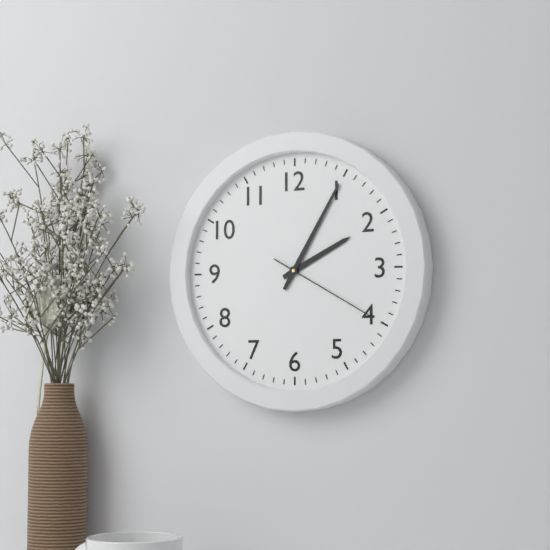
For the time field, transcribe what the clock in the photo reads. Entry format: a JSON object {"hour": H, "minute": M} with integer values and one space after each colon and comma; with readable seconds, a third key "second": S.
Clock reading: {"hour": 2, "minute": 5, "second": 20}
